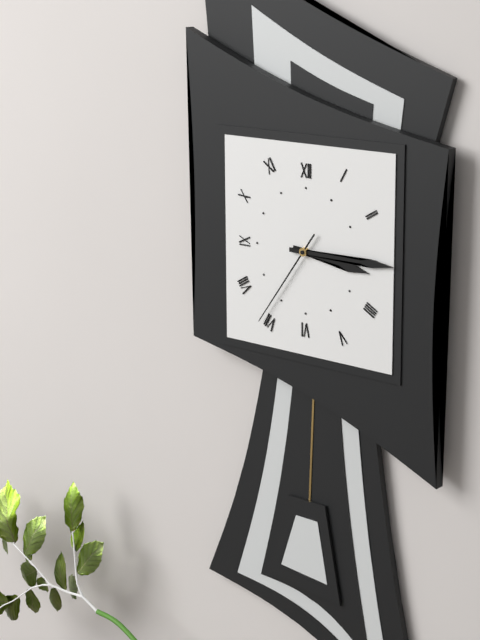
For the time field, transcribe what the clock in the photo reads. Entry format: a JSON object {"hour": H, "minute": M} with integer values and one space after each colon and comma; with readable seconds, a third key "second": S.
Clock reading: {"hour": 3, "minute": 15, "second": 36}
